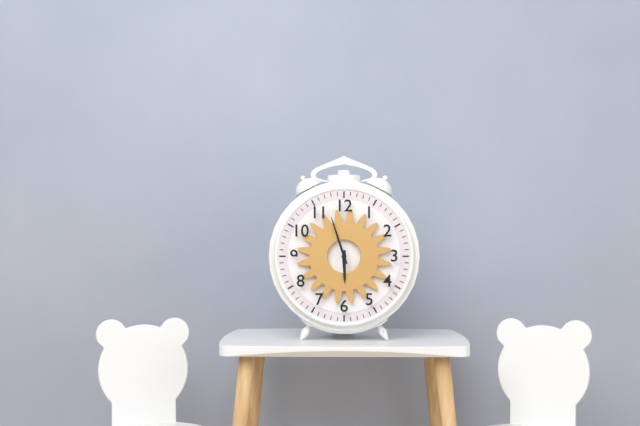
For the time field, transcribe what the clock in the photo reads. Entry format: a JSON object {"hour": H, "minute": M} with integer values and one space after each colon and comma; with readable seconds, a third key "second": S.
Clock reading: {"hour": 5, "minute": 57}
